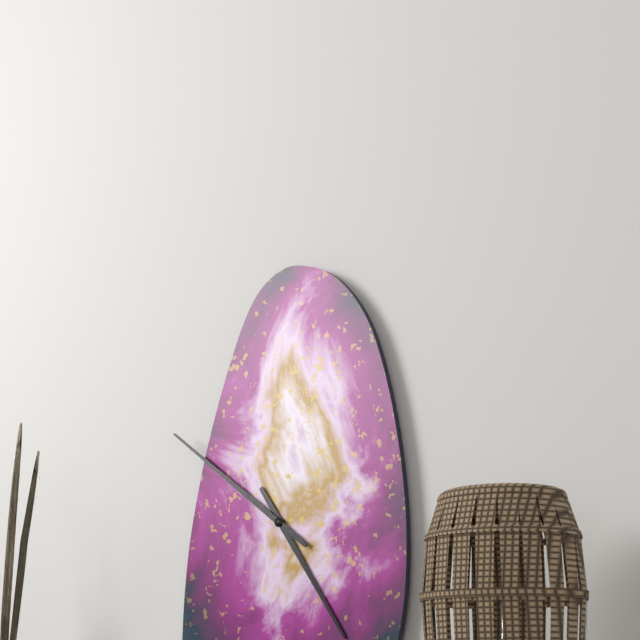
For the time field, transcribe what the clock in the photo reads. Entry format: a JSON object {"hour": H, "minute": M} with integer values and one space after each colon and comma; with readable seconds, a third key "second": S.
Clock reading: {"hour": 4, "minute": 51}
